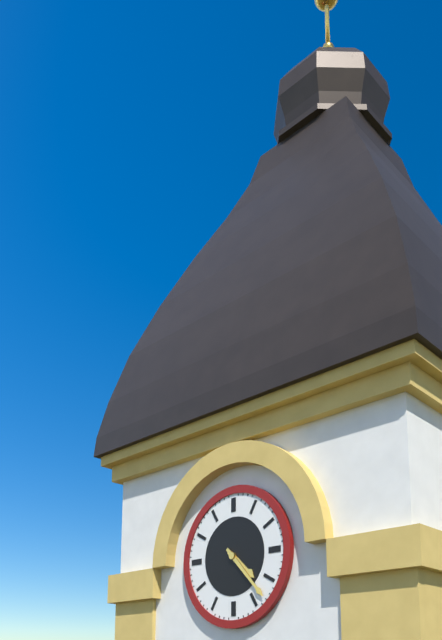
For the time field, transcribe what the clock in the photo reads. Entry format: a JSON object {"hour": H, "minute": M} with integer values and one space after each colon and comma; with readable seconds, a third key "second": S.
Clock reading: {"hour": 4, "minute": 23}
